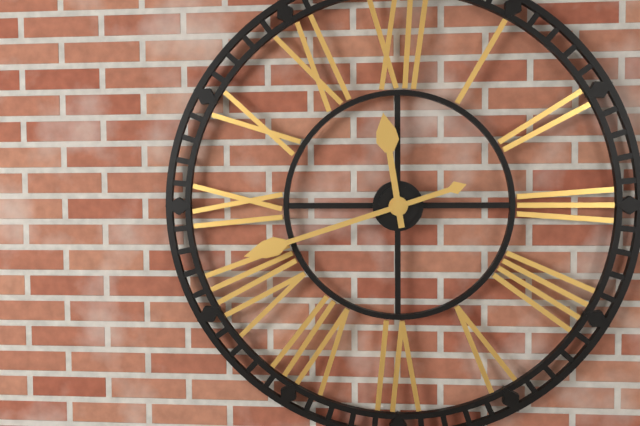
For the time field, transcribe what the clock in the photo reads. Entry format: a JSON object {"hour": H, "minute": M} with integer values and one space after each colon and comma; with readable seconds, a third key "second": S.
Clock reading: {"hour": 11, "minute": 42}
